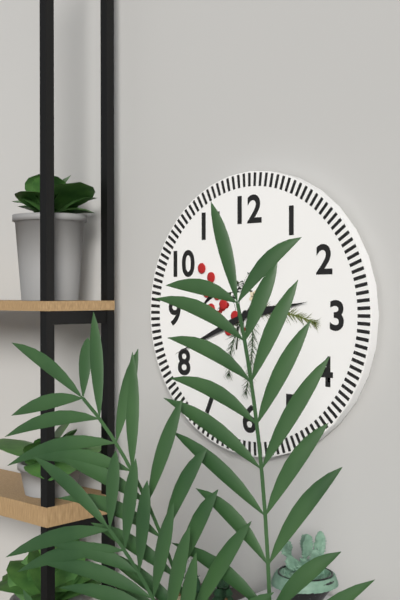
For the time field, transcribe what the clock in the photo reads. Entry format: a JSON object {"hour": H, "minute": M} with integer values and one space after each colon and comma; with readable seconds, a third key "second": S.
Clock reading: {"hour": 2, "minute": 41}
